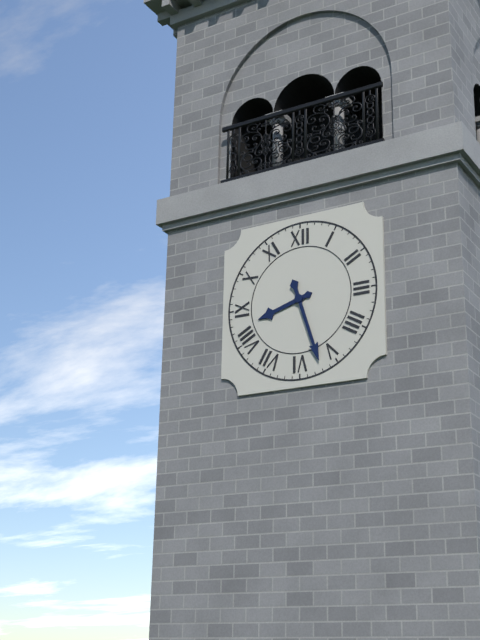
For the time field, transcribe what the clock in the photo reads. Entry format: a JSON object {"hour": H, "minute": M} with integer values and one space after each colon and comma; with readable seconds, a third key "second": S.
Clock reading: {"hour": 8, "minute": 27}
